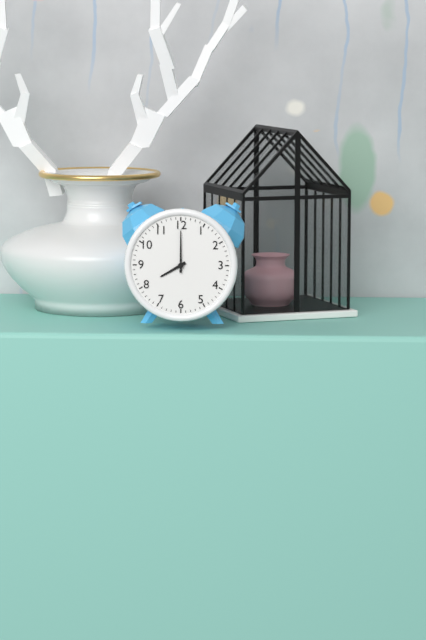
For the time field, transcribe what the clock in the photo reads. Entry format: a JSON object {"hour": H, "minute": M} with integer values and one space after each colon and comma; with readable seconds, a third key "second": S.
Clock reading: {"hour": 8, "minute": 0}
